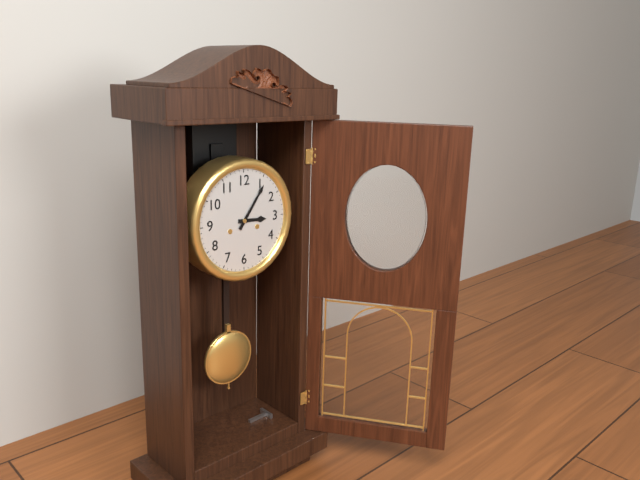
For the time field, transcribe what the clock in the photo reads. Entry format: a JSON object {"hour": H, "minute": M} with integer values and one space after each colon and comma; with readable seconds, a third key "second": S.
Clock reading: {"hour": 3, "minute": 6}
